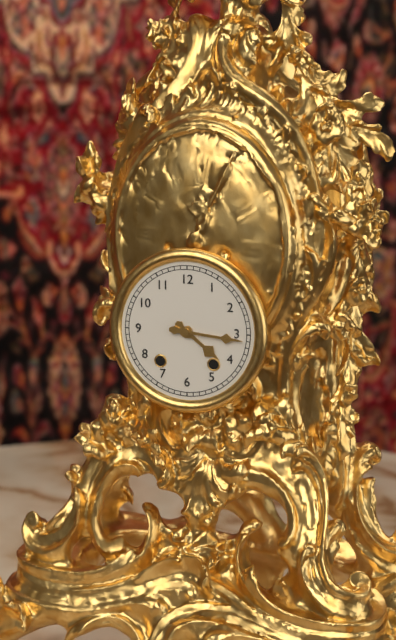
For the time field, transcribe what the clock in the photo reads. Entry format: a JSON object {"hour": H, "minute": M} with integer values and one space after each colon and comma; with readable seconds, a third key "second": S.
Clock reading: {"hour": 4, "minute": 16}
